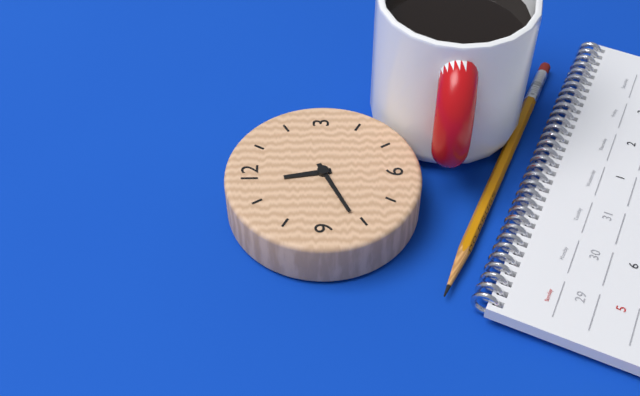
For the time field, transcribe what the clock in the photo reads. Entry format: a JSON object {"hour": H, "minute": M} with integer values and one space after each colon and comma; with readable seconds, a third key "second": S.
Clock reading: {"hour": 11, "minute": 41}
